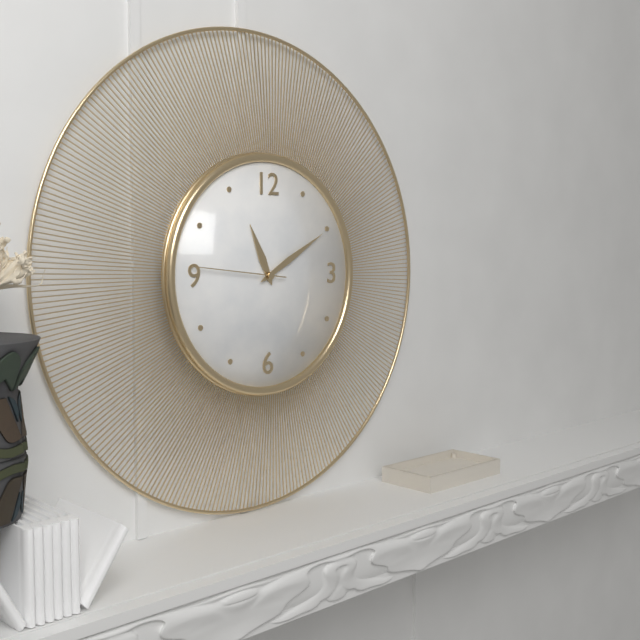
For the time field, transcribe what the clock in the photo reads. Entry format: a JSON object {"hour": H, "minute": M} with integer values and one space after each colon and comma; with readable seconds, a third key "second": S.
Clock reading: {"hour": 11, "minute": 10, "second": 46}
